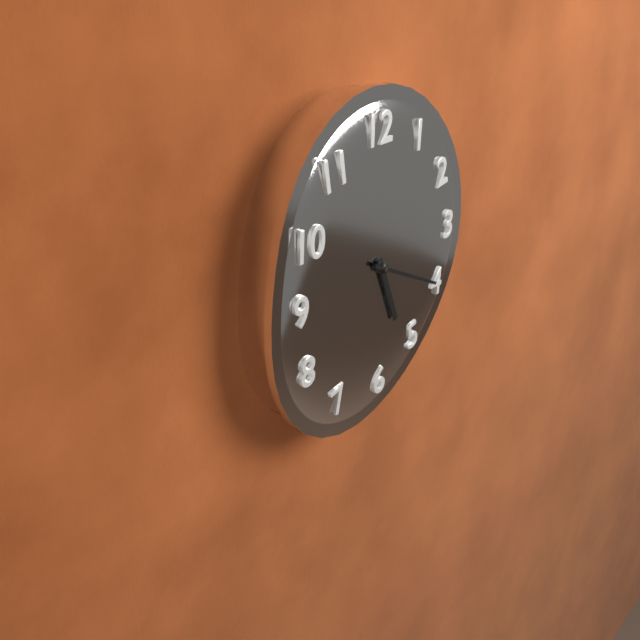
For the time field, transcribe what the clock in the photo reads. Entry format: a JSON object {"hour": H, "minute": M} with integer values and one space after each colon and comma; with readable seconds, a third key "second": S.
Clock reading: {"hour": 5, "minute": 20}
